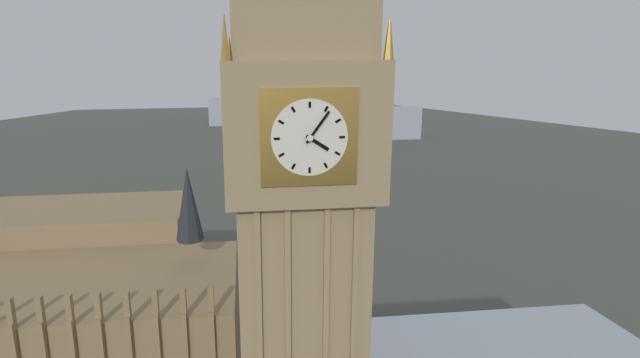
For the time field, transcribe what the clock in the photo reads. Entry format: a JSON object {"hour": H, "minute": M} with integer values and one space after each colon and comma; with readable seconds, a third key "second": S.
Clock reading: {"hour": 4, "minute": 6}
